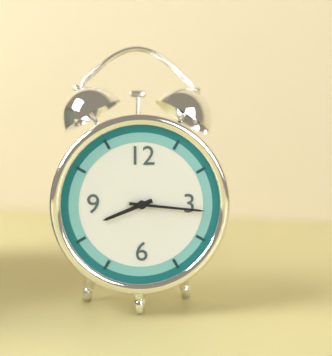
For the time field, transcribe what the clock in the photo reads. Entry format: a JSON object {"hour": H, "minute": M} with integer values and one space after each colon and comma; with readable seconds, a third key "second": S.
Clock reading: {"hour": 8, "minute": 16}
